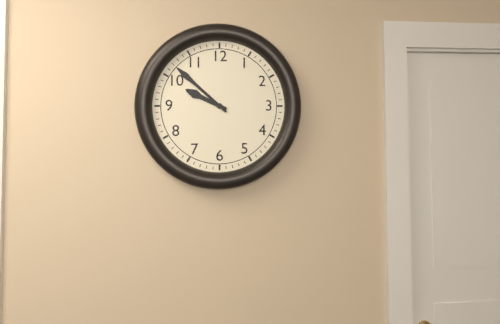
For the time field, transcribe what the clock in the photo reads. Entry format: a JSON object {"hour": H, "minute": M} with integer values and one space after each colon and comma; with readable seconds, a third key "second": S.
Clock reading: {"hour": 9, "minute": 52}
